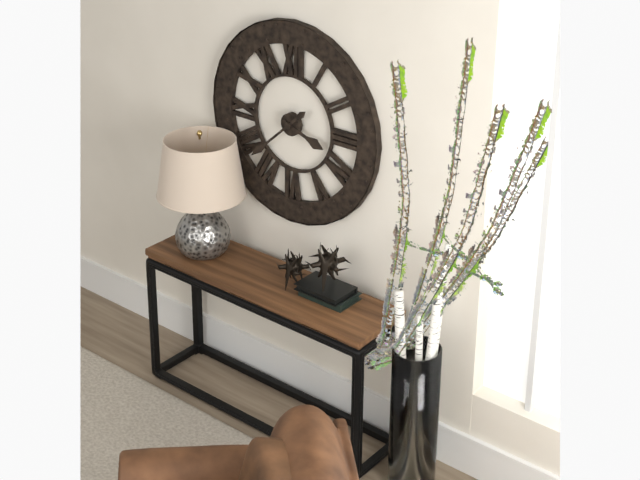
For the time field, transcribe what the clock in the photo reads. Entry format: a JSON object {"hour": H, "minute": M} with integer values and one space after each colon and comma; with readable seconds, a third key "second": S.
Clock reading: {"hour": 3, "minute": 38}
